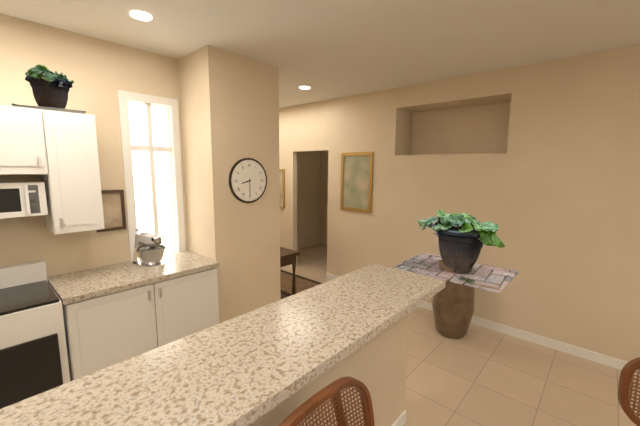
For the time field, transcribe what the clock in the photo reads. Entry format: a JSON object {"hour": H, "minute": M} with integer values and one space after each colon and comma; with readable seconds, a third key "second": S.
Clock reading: {"hour": 8, "minute": 30}
